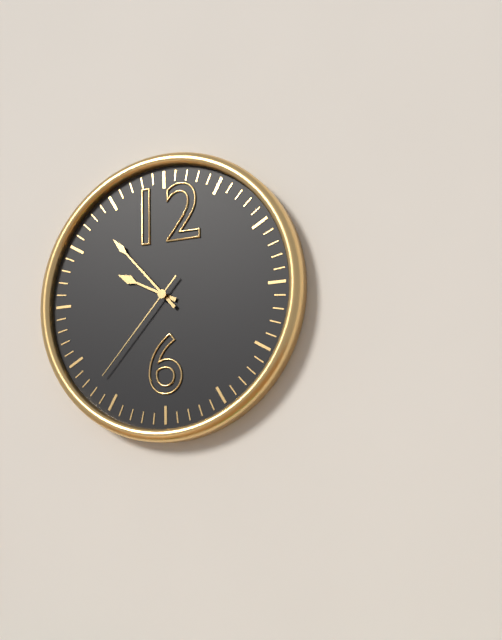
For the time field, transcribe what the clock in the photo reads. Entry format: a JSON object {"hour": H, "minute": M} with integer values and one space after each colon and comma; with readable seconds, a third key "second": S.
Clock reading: {"hour": 9, "minute": 53, "second": 37}
